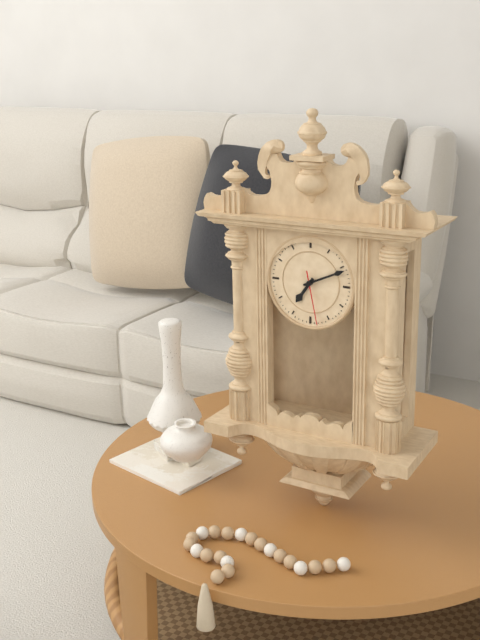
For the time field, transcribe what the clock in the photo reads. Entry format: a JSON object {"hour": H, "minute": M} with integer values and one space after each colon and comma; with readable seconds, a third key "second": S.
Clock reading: {"hour": 7, "minute": 11, "second": 28}
